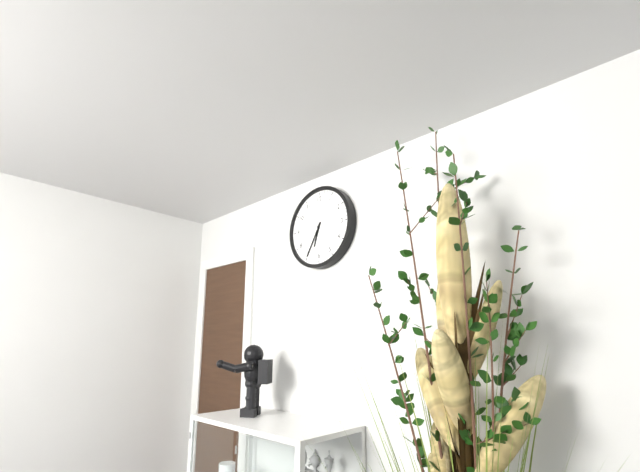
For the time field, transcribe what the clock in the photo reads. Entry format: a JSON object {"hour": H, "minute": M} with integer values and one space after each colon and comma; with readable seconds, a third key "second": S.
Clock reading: {"hour": 6, "minute": 35}
